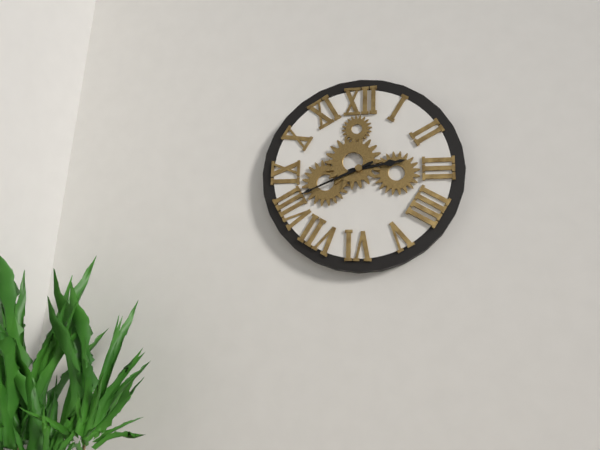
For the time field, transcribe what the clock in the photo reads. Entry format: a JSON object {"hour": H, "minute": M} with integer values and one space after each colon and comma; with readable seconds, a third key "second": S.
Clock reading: {"hour": 2, "minute": 41}
